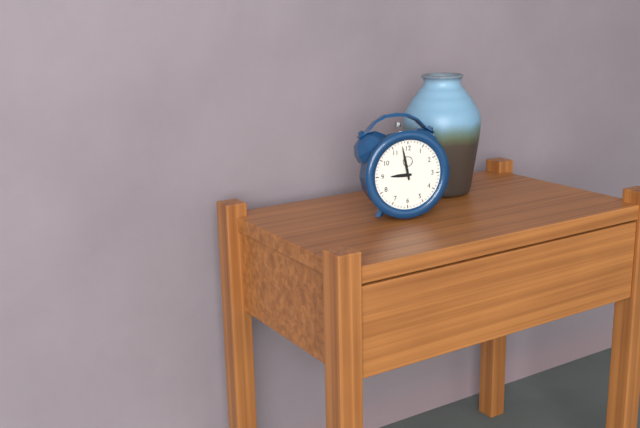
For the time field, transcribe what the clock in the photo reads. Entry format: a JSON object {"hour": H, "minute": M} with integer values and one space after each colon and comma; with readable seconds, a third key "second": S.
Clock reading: {"hour": 8, "minute": 58}
